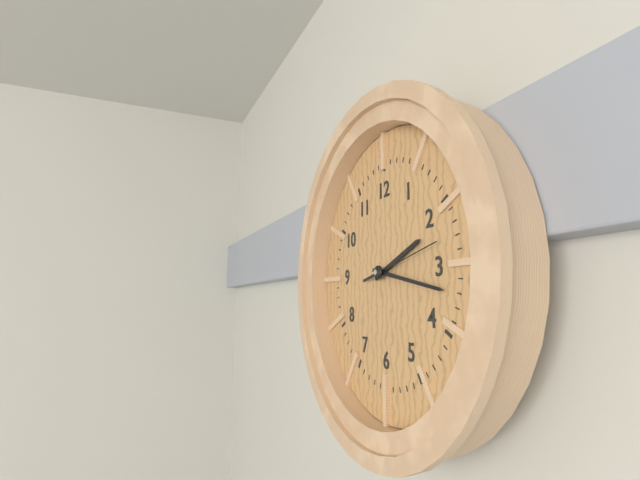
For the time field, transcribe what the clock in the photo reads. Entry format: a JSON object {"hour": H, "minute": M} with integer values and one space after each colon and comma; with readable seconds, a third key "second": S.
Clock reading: {"hour": 2, "minute": 17, "second": 13}
